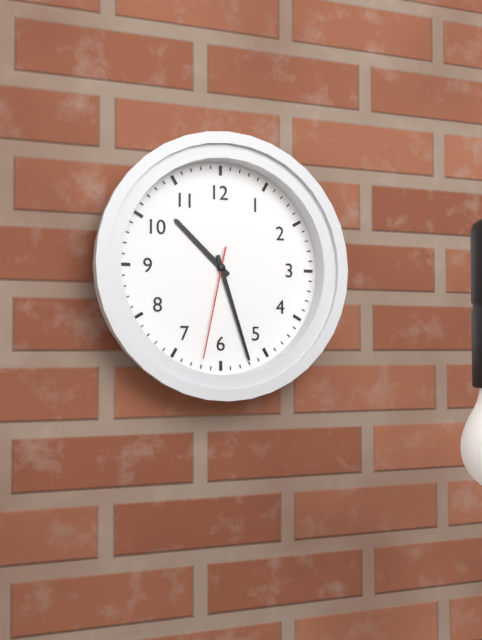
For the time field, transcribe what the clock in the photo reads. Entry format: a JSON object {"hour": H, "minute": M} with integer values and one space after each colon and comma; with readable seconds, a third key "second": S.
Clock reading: {"hour": 10, "minute": 27, "second": 32}
